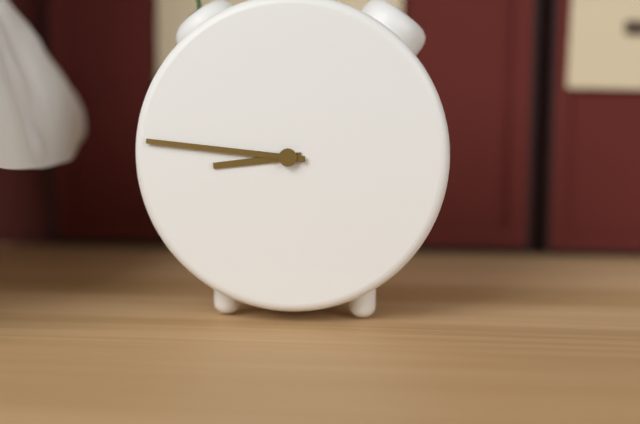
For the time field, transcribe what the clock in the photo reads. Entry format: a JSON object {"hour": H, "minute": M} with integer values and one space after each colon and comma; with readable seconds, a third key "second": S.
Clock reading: {"hour": 8, "minute": 46}
